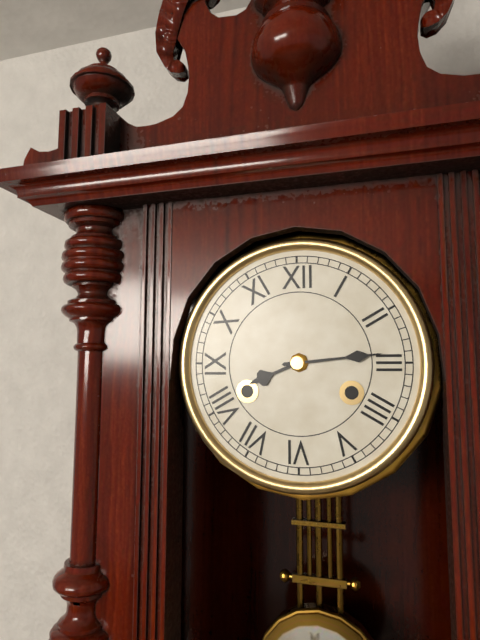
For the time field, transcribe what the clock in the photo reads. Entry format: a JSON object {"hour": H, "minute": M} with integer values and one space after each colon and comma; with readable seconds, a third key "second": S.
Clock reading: {"hour": 8, "minute": 14}
